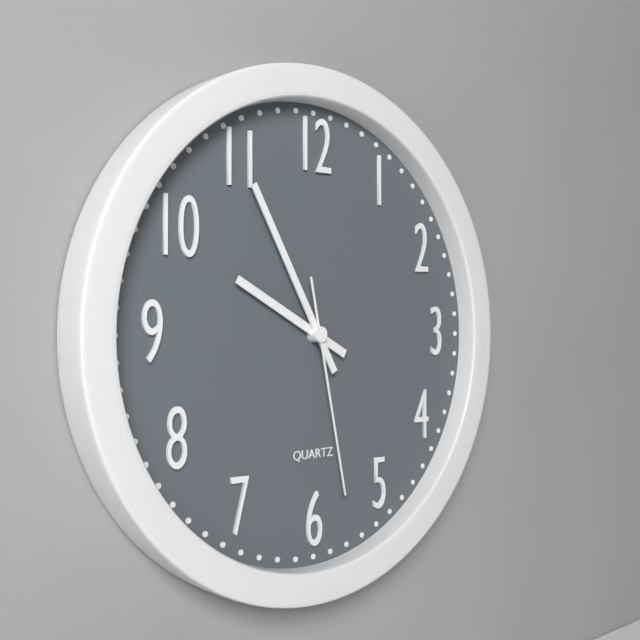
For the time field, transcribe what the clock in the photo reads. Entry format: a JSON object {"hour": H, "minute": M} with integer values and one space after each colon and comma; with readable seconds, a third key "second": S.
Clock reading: {"hour": 9, "minute": 55, "second": 28}
